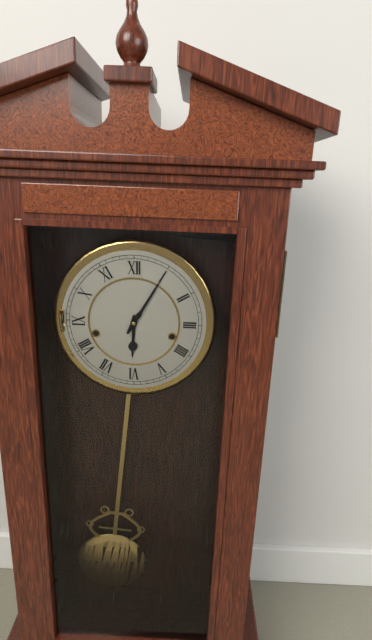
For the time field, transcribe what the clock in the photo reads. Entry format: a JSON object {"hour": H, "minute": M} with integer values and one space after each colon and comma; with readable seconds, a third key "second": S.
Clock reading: {"hour": 6, "minute": 5}
